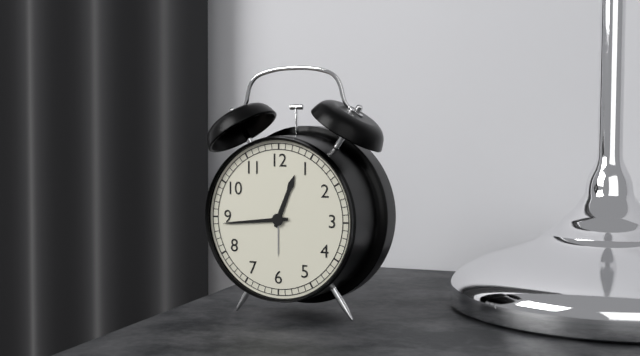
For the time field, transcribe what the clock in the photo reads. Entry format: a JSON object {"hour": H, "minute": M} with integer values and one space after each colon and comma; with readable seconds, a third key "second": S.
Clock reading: {"hour": 12, "minute": 44}
